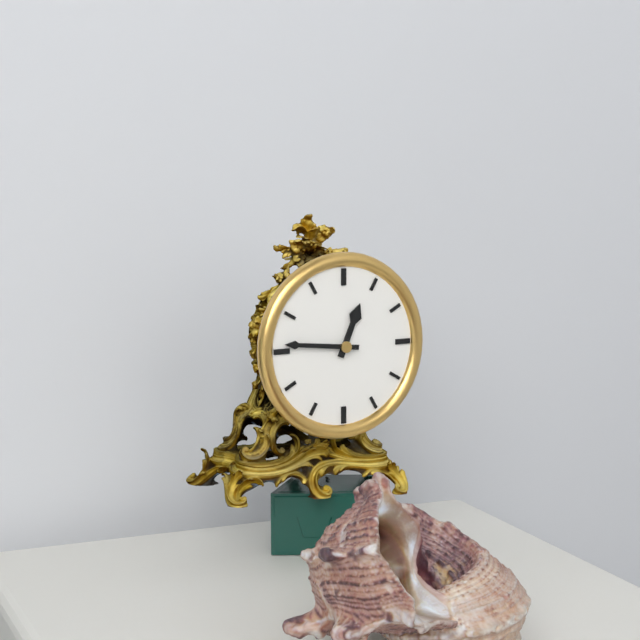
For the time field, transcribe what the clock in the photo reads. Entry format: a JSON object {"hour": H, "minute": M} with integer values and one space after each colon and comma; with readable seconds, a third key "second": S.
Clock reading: {"hour": 12, "minute": 46}
